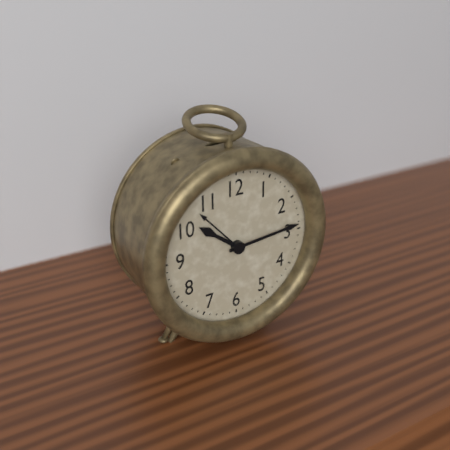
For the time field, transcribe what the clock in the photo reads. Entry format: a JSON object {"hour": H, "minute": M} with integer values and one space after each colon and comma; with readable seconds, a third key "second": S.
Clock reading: {"hour": 10, "minute": 14}
